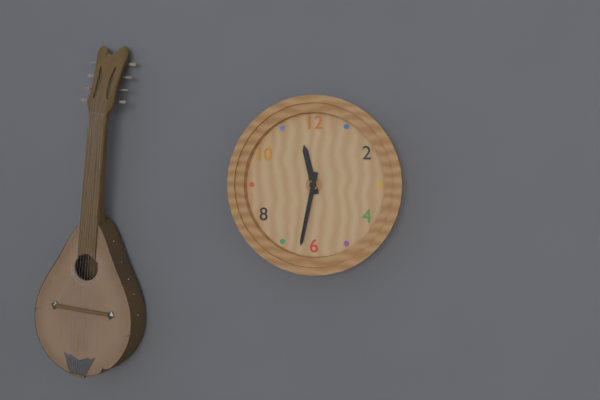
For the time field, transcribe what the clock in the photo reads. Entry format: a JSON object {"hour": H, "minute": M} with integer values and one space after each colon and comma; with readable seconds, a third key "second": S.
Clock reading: {"hour": 11, "minute": 32}
